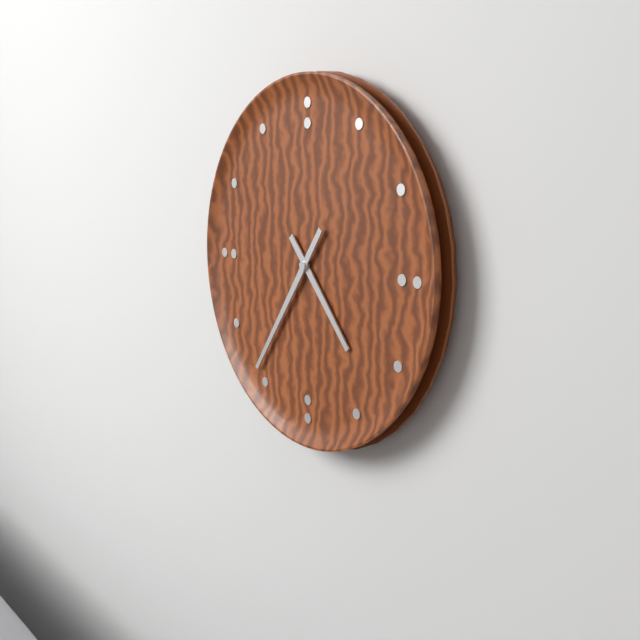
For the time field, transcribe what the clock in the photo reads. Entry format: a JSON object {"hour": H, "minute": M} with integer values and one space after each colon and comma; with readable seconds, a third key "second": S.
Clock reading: {"hour": 4, "minute": 36}
